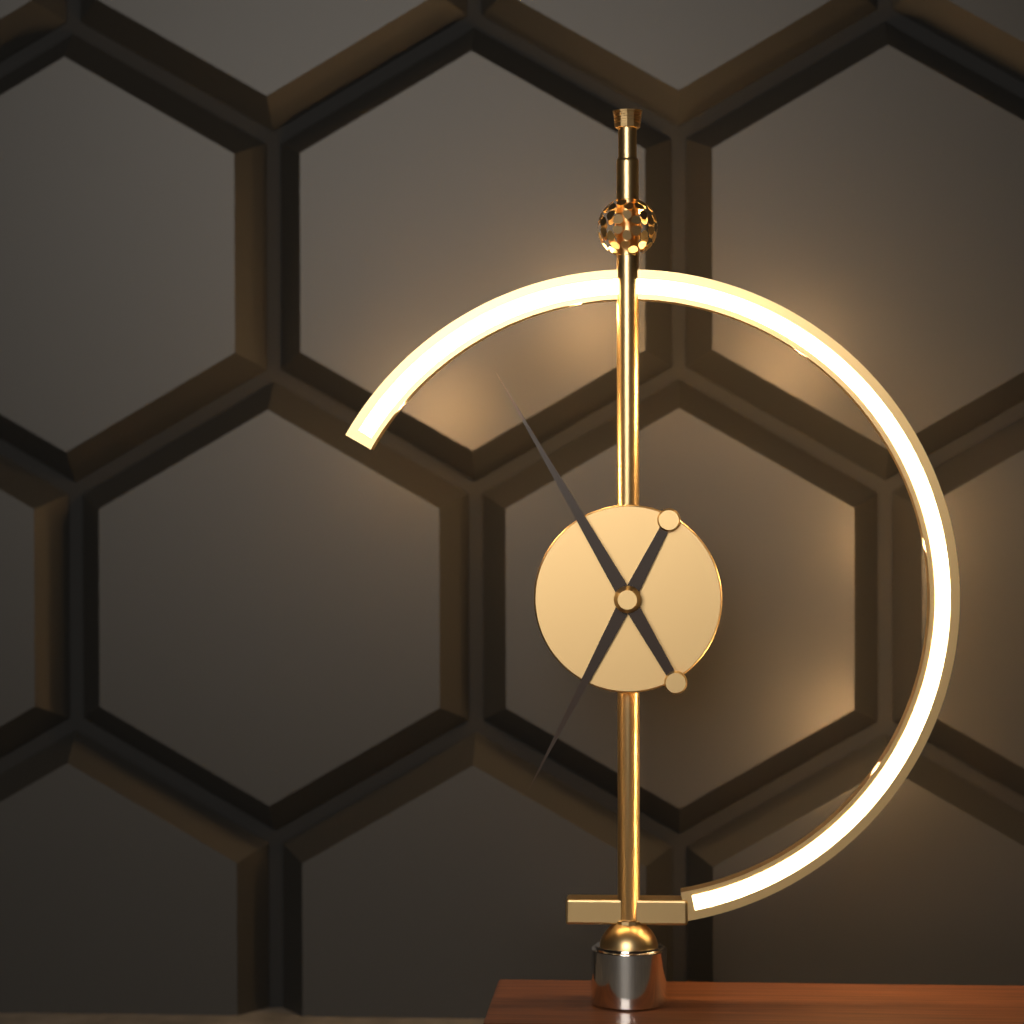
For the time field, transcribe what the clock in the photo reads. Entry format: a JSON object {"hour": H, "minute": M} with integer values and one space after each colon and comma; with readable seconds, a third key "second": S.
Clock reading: {"hour": 6, "minute": 55}
